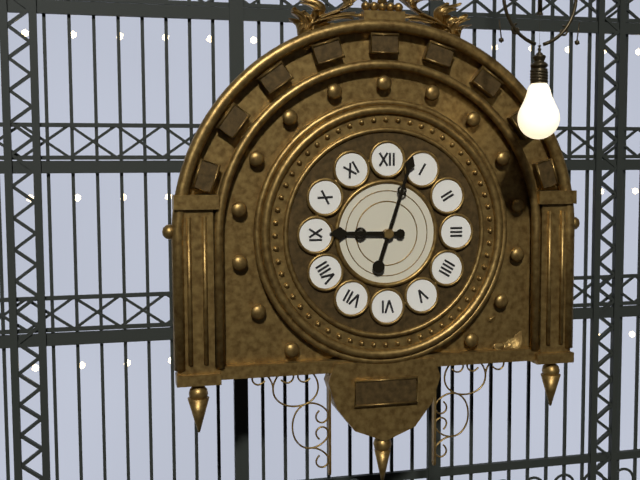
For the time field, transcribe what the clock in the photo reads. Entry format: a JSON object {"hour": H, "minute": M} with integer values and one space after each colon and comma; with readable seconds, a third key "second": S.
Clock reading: {"hour": 9, "minute": 3}
